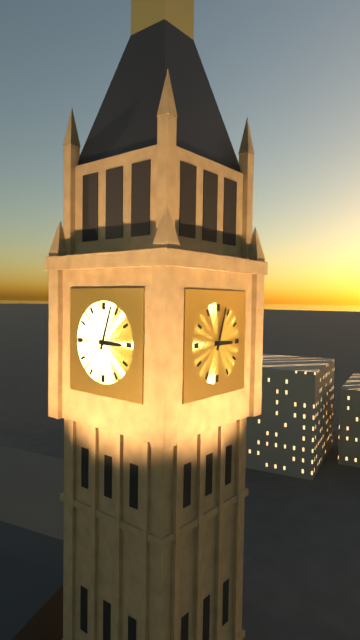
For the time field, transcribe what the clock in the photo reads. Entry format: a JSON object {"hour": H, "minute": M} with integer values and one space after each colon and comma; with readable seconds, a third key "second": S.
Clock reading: {"hour": 3, "minute": 3}
